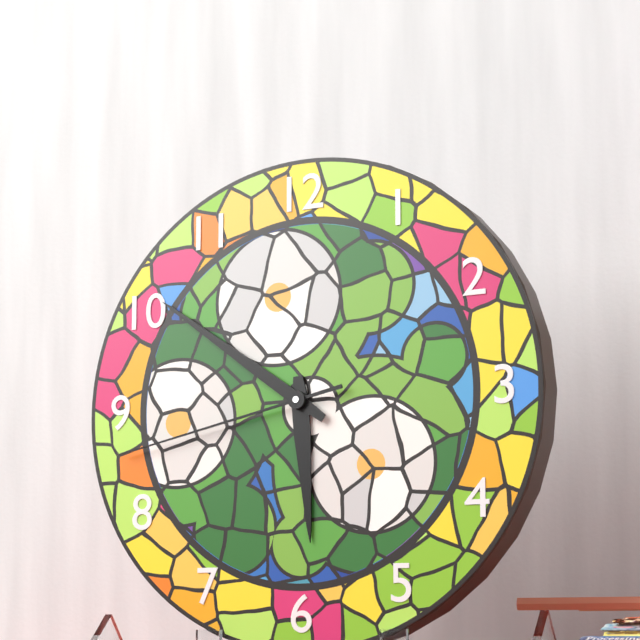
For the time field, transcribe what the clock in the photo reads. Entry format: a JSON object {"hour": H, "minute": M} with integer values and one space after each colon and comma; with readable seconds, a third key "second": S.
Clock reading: {"hour": 5, "minute": 51, "second": 43}
